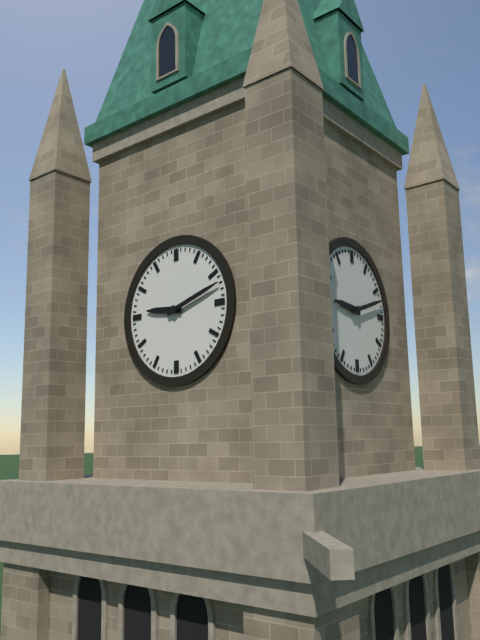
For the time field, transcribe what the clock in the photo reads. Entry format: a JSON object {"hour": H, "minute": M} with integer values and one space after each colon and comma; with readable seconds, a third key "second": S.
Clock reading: {"hour": 9, "minute": 12}
